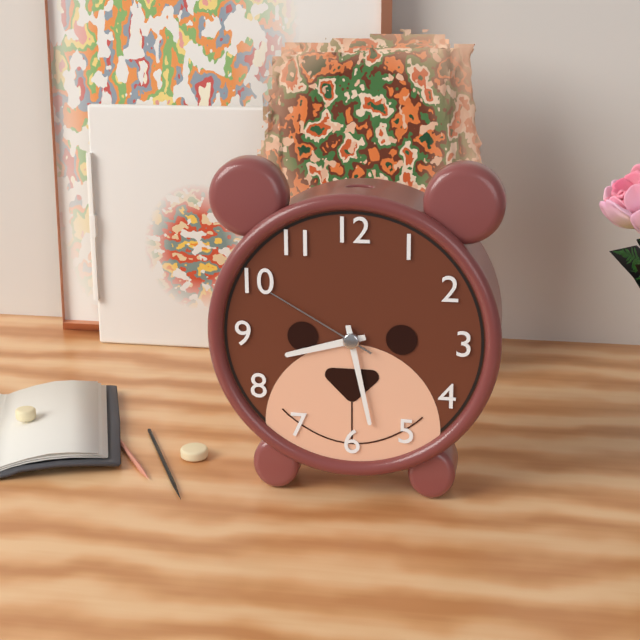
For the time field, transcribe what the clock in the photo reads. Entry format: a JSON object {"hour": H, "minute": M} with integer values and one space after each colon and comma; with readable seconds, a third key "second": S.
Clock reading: {"hour": 8, "minute": 28, "second": 50}
